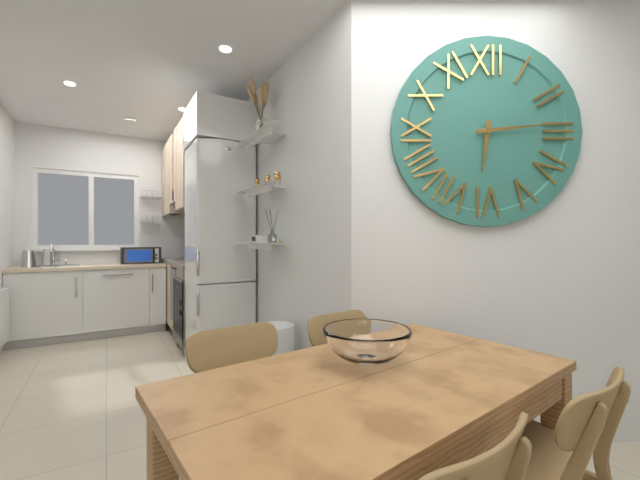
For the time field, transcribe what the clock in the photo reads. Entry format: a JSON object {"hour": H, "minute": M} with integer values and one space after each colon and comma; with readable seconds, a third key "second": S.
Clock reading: {"hour": 6, "minute": 14}
